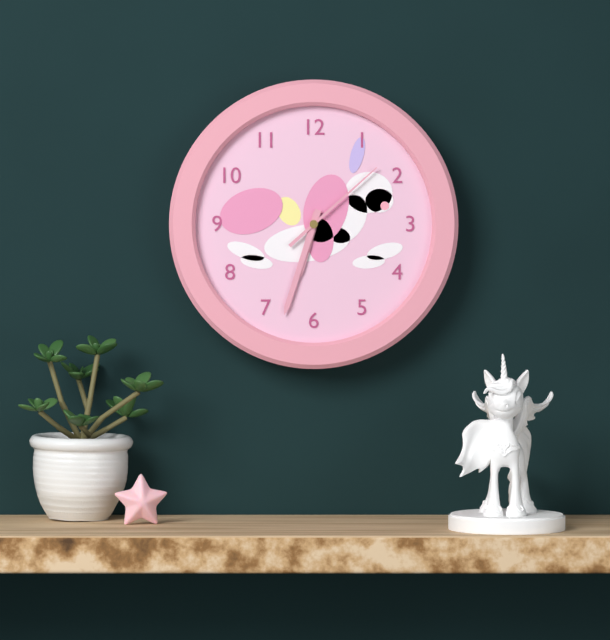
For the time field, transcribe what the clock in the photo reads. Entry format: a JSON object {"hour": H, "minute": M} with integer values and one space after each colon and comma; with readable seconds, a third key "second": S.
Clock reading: {"hour": 6, "minute": 33, "second": 8}
